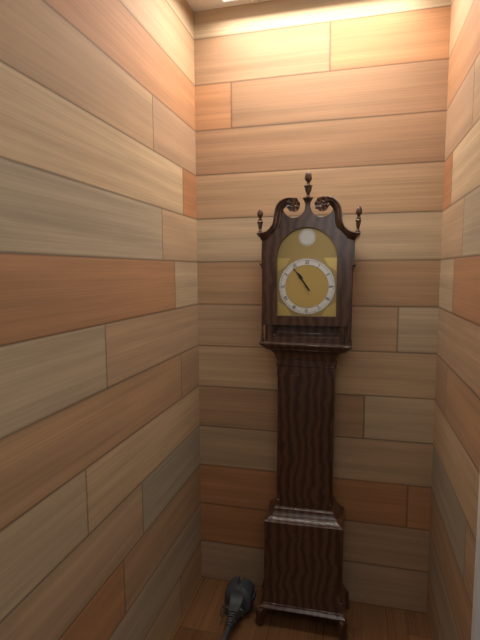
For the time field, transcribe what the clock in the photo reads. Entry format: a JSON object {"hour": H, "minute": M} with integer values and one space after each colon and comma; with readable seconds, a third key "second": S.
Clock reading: {"hour": 10, "minute": 54}
